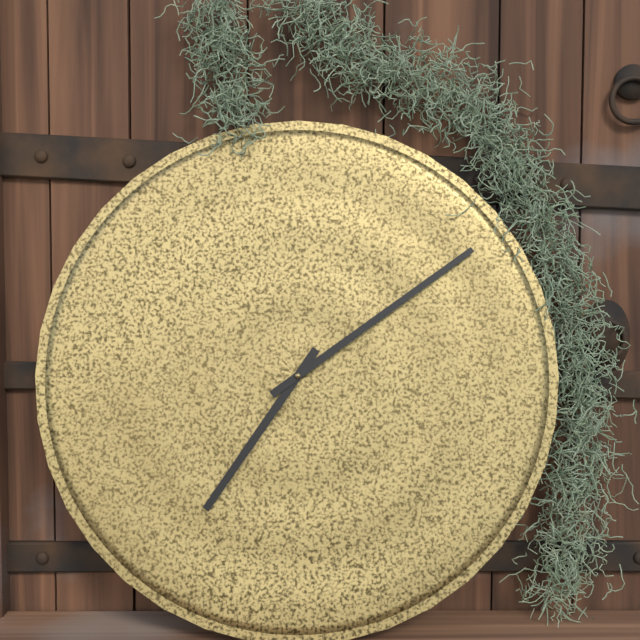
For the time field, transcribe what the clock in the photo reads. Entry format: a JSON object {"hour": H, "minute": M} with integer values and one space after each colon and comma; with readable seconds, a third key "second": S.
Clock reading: {"hour": 7, "minute": 9}
